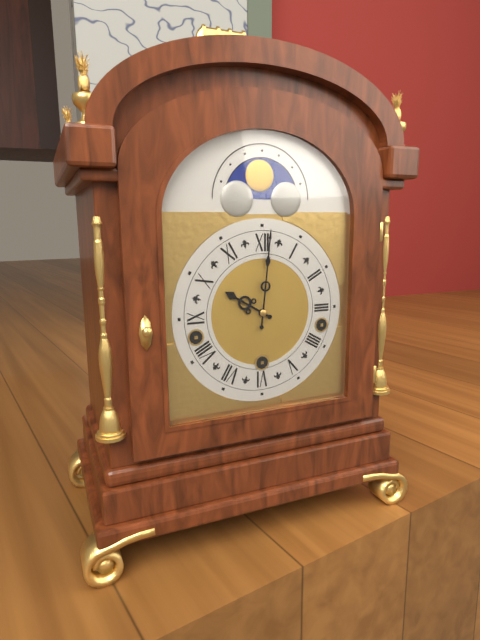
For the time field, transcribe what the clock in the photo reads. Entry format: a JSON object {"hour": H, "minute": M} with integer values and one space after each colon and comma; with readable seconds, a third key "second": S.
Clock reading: {"hour": 10, "minute": 1}
